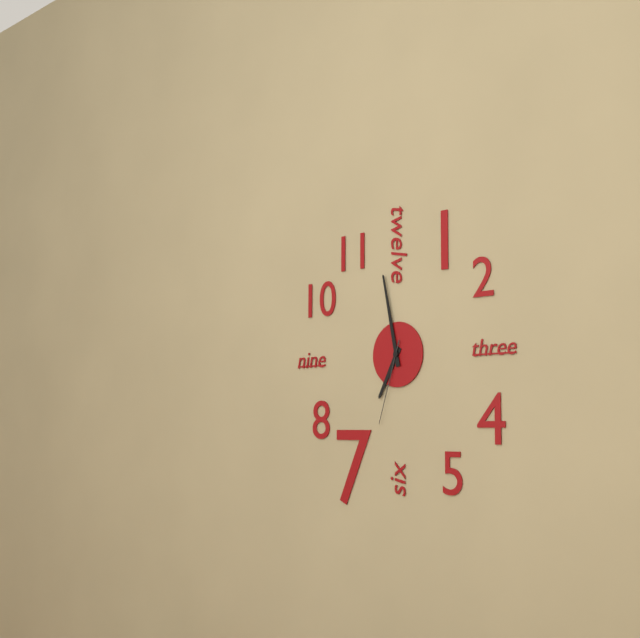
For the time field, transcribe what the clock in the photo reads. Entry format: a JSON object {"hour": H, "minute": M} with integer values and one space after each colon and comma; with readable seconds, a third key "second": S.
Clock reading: {"hour": 6, "minute": 58, "second": 33}
